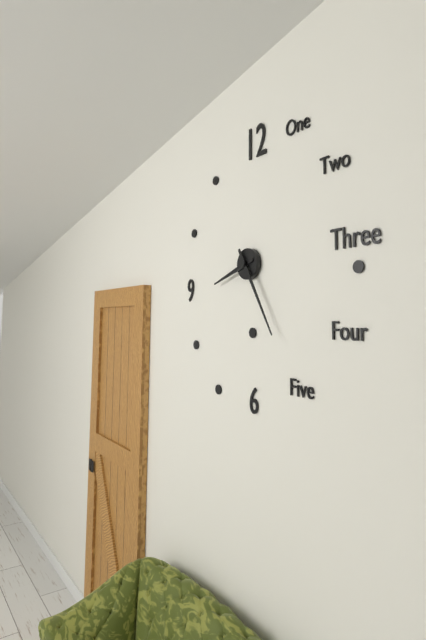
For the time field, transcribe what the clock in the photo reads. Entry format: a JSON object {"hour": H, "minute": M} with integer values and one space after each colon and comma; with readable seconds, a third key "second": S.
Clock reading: {"hour": 8, "minute": 25}
